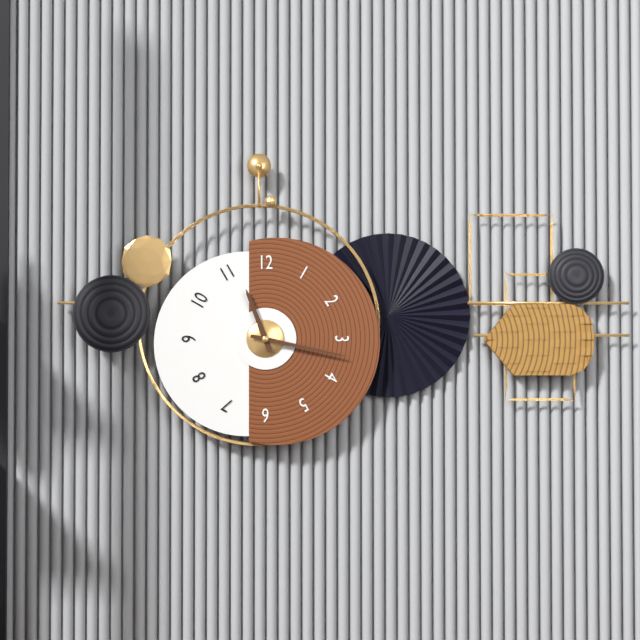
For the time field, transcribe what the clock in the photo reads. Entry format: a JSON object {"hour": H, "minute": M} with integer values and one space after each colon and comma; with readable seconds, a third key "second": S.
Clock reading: {"hour": 11, "minute": 17}
